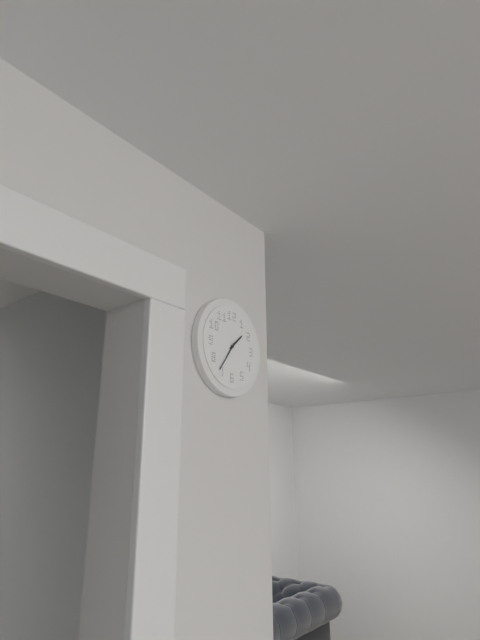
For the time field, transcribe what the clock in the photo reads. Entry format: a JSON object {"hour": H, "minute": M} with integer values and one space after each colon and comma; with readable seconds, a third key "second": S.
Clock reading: {"hour": 1, "minute": 36}
